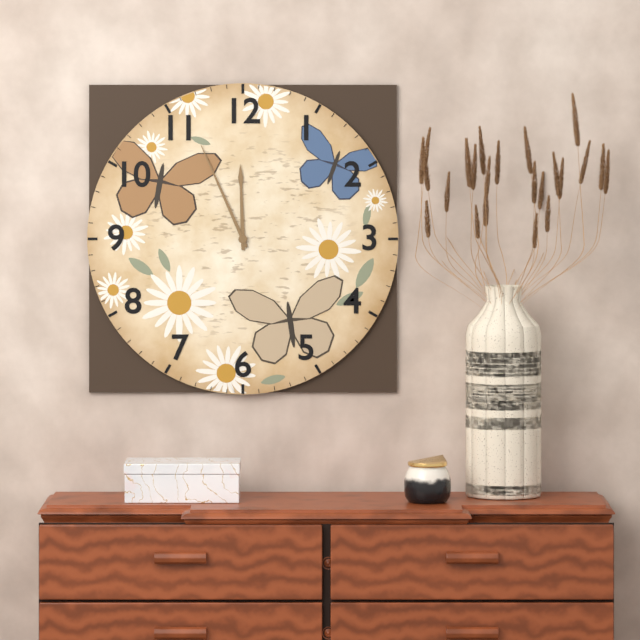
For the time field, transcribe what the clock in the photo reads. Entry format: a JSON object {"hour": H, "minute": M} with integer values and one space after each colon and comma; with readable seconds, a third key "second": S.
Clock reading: {"hour": 11, "minute": 56}
